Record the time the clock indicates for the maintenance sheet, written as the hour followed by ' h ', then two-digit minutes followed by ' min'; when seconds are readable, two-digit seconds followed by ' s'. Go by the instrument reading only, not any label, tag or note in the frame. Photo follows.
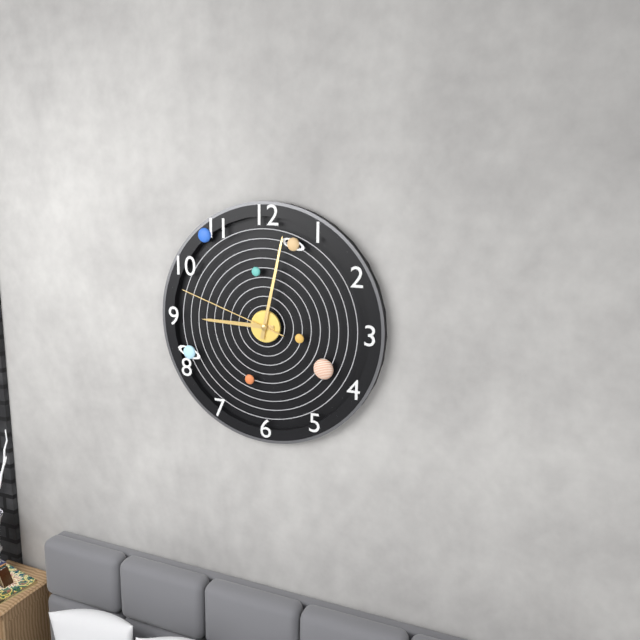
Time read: 9 h 02 min 48 s
